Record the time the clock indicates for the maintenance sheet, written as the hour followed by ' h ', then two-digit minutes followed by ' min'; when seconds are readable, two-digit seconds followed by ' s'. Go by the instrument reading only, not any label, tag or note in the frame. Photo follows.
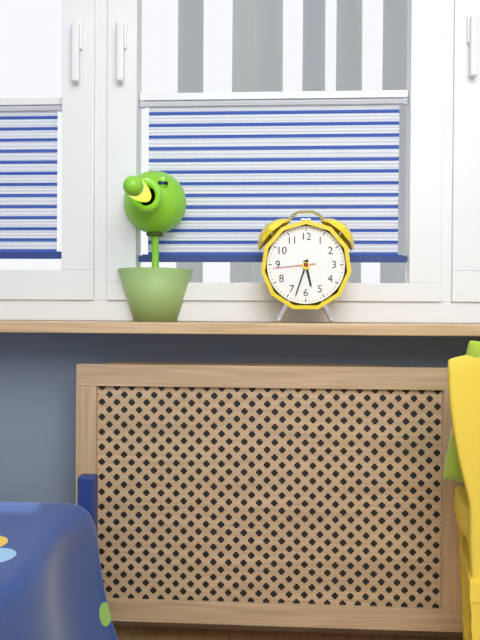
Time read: 5 h 33 min
